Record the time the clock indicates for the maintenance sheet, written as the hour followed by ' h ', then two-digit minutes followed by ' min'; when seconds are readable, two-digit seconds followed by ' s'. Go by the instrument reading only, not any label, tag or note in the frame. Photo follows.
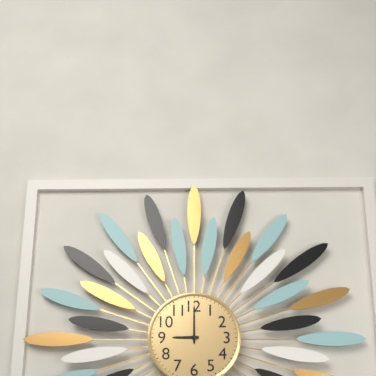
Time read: 9 h 00 min
